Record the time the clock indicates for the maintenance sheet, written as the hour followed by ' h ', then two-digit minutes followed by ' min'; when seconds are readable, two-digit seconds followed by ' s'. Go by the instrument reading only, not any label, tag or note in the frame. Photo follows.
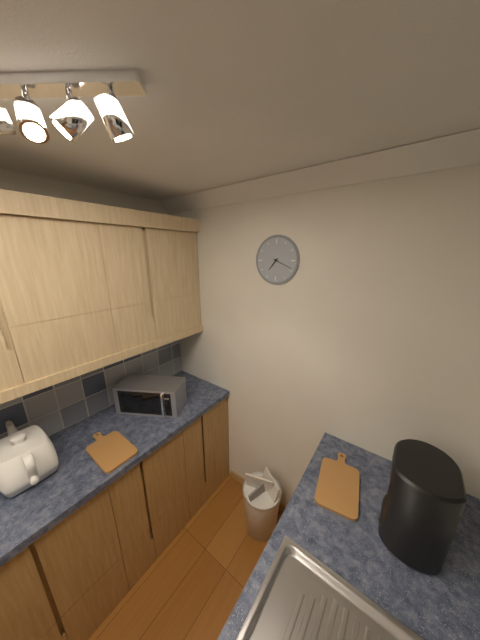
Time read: 7 h 19 min
